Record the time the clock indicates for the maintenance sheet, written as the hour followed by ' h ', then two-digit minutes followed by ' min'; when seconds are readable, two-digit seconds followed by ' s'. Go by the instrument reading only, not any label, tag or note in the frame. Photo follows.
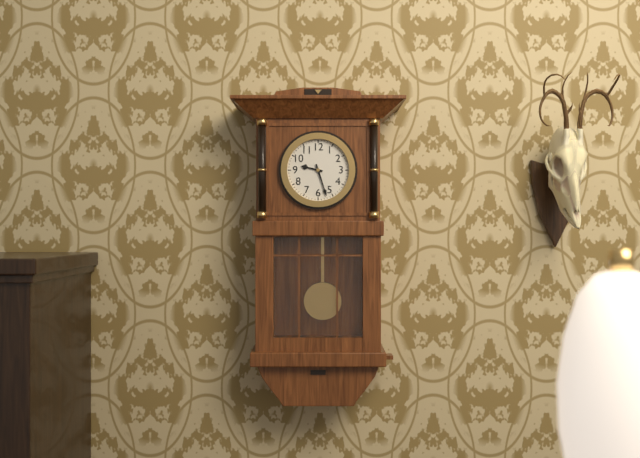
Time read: 9 h 27 min
